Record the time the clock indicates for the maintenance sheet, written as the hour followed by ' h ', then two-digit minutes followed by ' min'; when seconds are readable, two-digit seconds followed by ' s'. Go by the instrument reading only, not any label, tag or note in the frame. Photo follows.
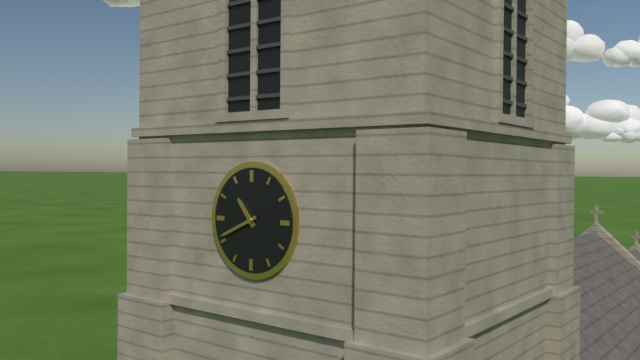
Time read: 10 h 41 min
